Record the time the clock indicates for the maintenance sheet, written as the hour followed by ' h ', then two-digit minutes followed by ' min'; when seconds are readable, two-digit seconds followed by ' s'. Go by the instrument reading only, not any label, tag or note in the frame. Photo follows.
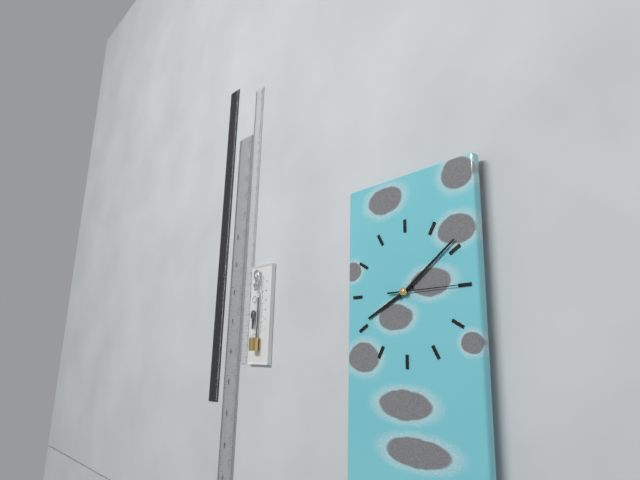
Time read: 8 h 09 min 15 s
